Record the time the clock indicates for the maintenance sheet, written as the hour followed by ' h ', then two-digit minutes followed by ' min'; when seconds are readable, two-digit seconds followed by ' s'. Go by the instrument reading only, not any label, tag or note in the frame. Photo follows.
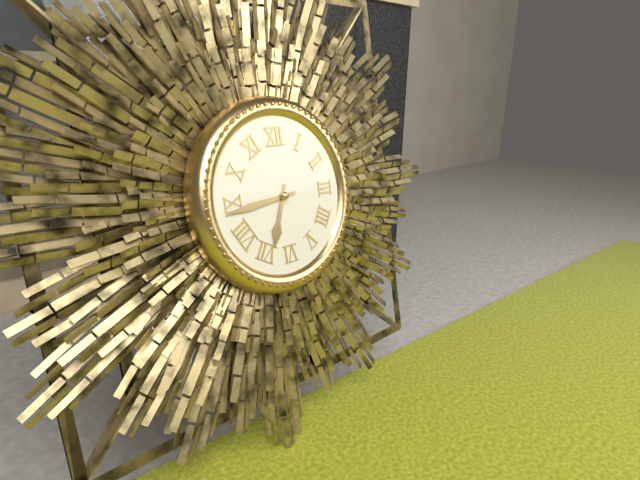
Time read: 6 h 44 min
